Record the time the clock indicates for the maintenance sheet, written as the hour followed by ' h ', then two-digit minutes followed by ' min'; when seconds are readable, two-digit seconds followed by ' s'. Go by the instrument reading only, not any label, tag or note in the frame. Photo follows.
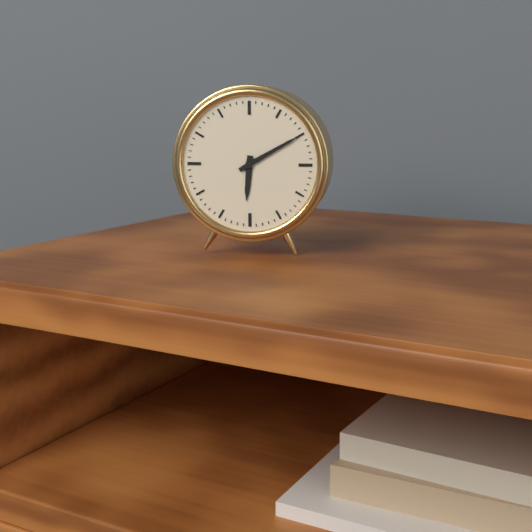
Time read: 6 h 10 min
